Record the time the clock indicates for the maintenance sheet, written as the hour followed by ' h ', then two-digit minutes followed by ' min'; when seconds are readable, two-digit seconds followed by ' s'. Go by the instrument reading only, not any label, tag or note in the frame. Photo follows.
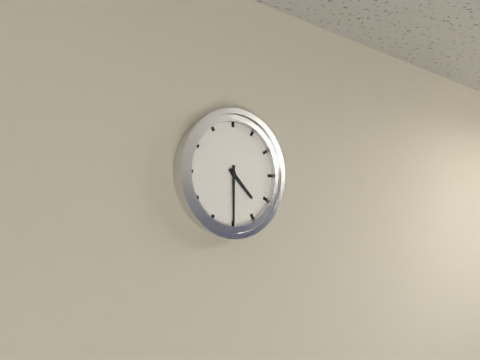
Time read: 4 h 30 min
